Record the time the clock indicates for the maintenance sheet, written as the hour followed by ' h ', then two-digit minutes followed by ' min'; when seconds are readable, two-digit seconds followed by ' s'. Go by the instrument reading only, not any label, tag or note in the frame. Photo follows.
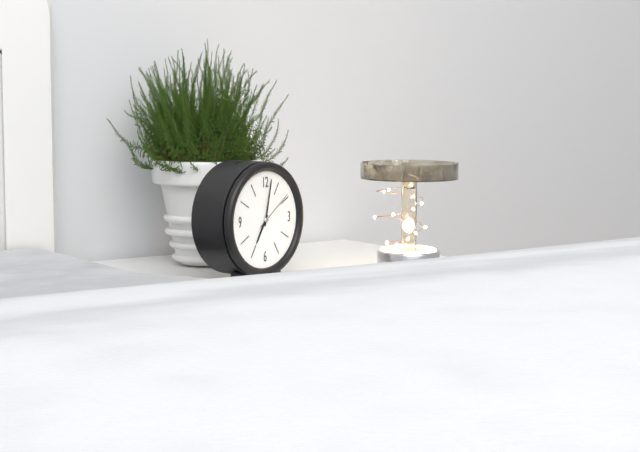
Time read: 7 h 02 min
